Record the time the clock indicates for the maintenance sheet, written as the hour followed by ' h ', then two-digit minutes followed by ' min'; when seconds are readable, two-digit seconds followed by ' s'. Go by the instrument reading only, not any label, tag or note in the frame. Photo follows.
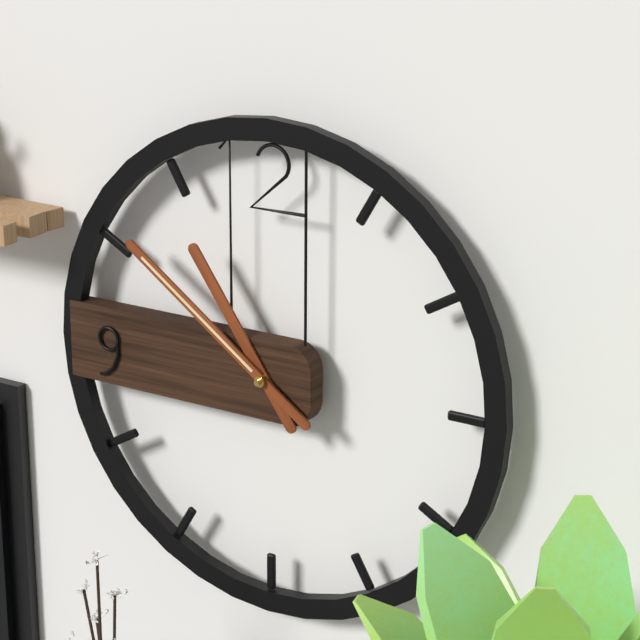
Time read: 10 h 51 min
